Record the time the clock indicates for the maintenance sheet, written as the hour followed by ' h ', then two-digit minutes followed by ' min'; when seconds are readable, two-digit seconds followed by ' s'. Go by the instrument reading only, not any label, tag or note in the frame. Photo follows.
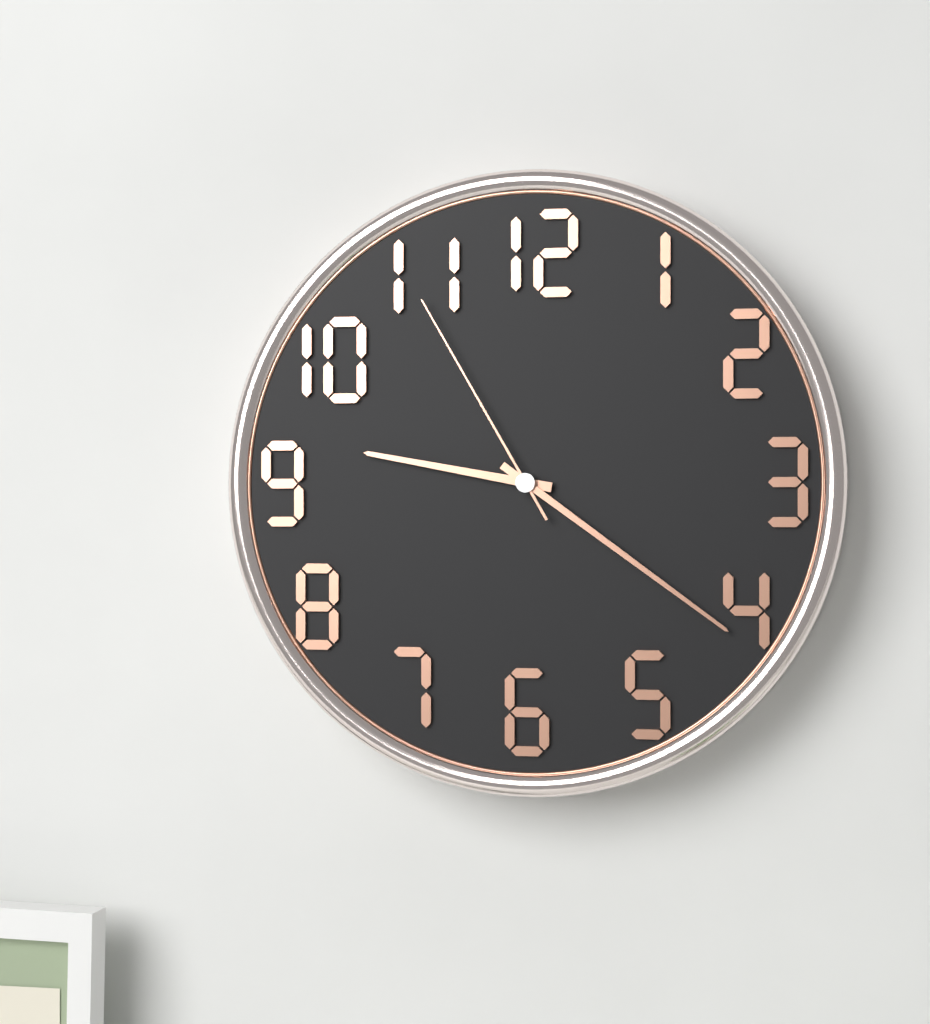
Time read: 9 h 21 min 55 s
